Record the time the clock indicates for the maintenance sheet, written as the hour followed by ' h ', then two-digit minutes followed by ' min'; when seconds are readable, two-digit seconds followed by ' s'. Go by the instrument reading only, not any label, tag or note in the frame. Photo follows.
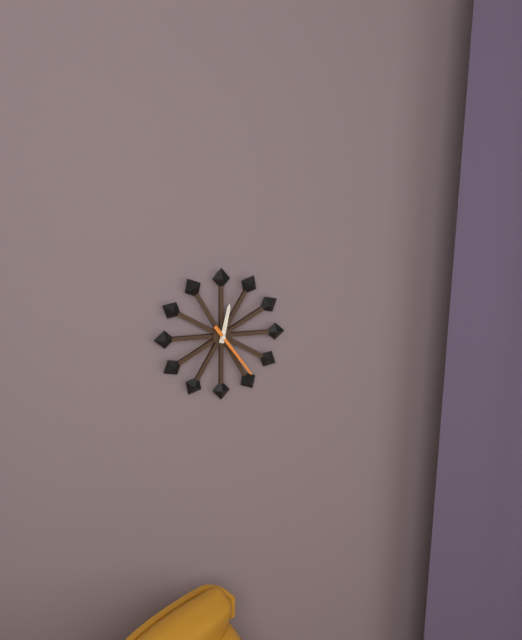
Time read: 12 h 24 min
